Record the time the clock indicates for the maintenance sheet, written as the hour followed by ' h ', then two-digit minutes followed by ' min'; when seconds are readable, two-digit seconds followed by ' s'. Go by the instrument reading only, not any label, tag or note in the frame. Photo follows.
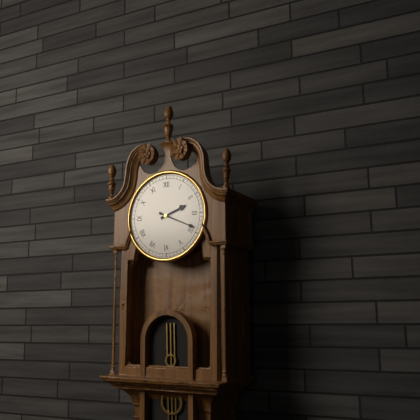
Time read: 2 h 19 min
